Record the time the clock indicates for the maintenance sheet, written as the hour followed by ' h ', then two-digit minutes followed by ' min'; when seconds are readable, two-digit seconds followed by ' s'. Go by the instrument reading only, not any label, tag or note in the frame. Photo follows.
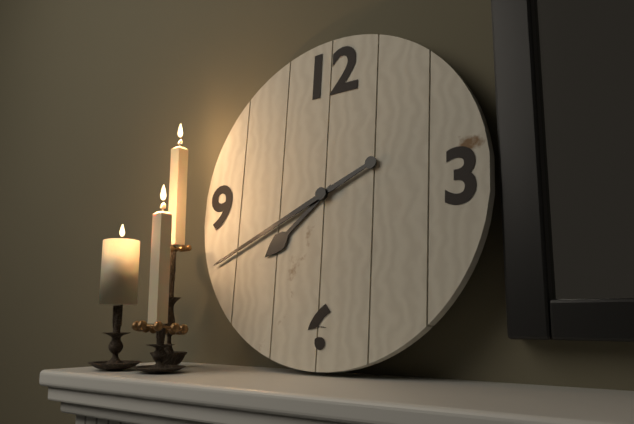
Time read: 7 h 41 min
